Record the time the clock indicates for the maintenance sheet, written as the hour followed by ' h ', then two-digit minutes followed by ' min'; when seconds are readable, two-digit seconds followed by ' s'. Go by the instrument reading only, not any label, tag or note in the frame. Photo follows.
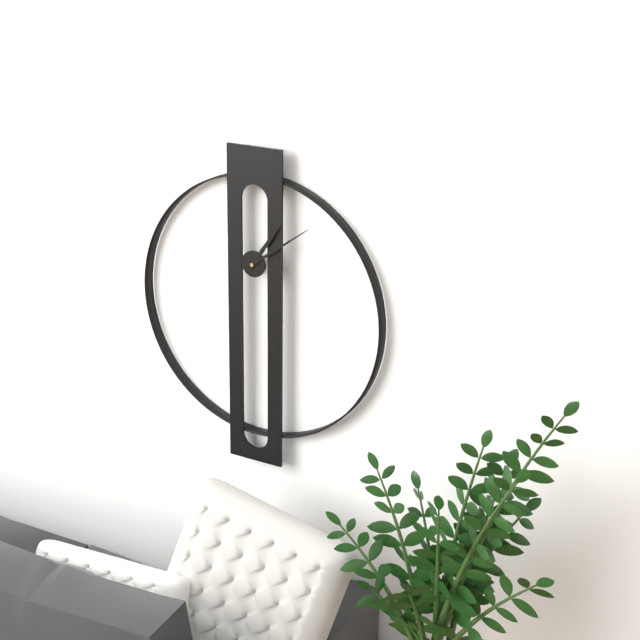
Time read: 1 h 09 min
